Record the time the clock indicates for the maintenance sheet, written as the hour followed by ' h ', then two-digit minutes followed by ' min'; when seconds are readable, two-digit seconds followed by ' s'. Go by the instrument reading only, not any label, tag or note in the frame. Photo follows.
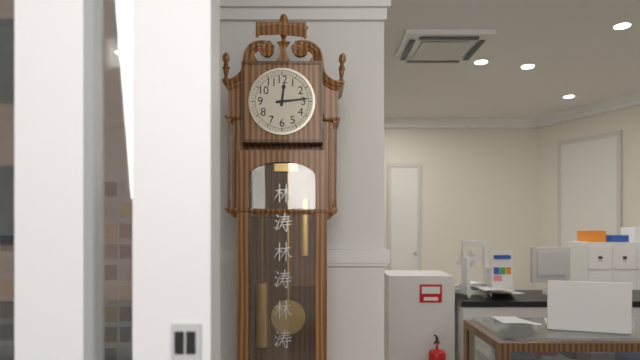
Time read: 12 h 14 min
